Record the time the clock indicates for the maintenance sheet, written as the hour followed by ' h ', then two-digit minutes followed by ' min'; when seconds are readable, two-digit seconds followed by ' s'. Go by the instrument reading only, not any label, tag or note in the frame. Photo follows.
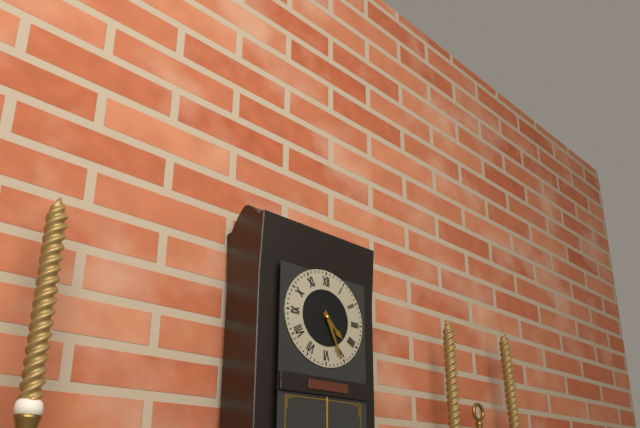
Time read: 4 h 26 min
